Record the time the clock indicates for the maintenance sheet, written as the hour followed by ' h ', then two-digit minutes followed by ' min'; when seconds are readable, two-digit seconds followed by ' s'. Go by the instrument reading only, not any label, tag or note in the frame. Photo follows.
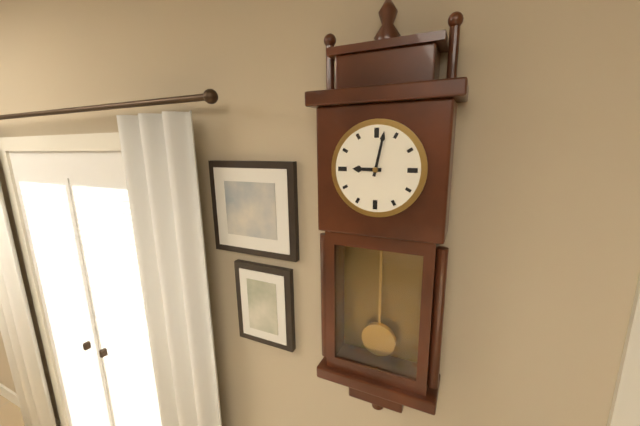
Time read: 9 h 02 min
